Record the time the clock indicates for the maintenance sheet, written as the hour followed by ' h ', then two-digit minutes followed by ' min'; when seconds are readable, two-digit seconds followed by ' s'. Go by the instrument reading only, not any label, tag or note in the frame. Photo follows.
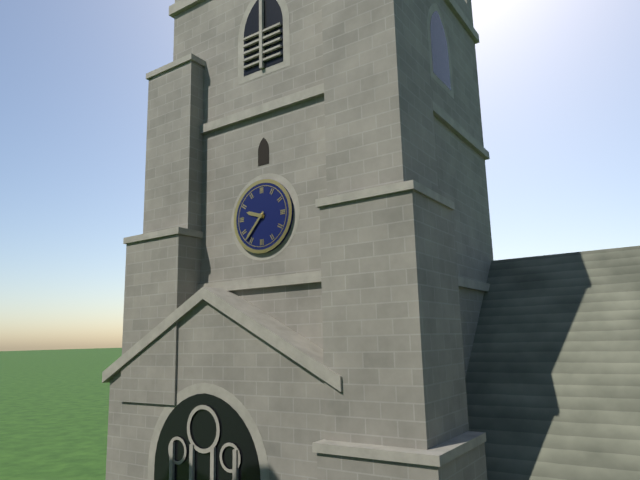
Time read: 9 h 37 min
